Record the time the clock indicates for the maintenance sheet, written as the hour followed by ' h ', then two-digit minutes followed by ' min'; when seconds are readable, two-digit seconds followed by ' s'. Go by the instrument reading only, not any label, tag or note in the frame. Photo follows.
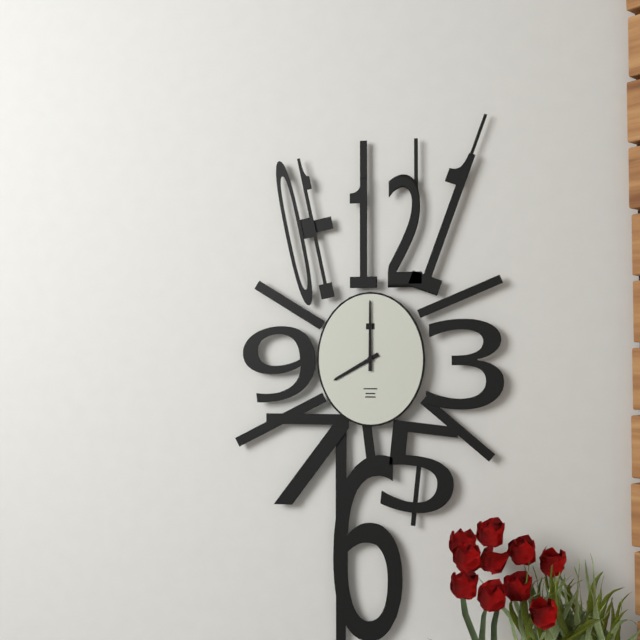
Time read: 8 h 00 min
